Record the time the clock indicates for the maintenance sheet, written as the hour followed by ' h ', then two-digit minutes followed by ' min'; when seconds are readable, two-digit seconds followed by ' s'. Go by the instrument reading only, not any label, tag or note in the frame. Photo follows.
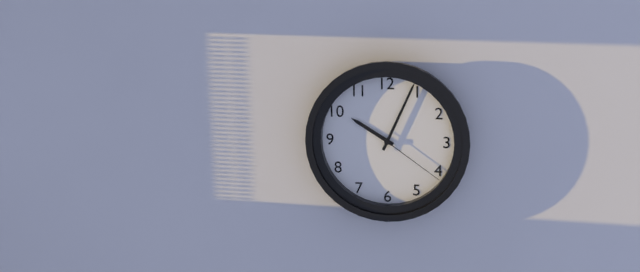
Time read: 10 h 04 min 21 s
